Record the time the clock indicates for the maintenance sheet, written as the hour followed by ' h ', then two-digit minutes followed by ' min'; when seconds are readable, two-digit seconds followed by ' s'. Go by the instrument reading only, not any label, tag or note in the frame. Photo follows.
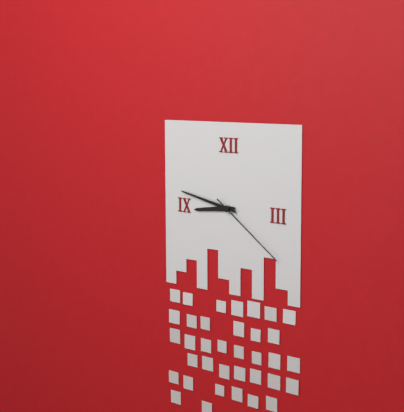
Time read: 8 h 47 min 21 s
